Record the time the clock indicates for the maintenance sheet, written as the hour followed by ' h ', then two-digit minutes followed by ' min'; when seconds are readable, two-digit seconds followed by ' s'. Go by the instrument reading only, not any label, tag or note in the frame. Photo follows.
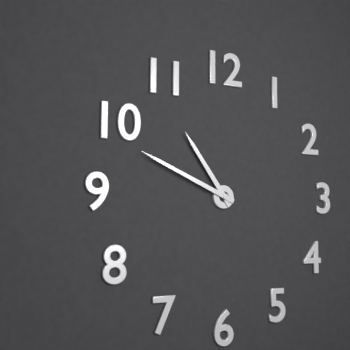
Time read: 10 h 49 min
